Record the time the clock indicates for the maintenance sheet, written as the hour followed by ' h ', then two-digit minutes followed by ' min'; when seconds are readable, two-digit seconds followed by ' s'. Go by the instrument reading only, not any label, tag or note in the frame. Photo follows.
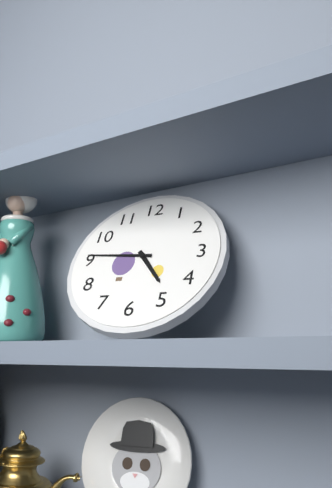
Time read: 4 h 46 min
